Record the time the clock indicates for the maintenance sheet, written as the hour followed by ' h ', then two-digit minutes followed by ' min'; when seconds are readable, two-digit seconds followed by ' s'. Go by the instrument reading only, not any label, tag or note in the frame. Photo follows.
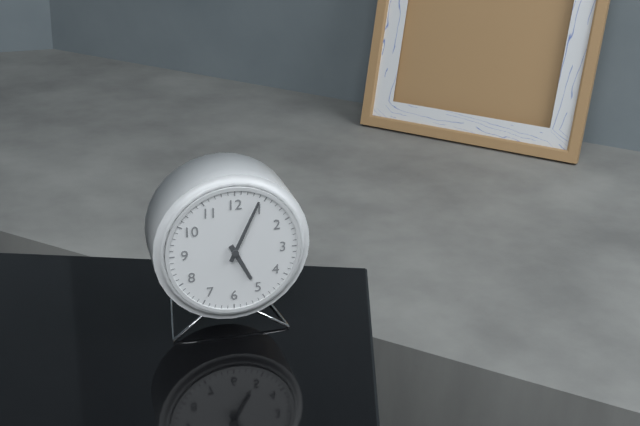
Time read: 5 h 04 min
